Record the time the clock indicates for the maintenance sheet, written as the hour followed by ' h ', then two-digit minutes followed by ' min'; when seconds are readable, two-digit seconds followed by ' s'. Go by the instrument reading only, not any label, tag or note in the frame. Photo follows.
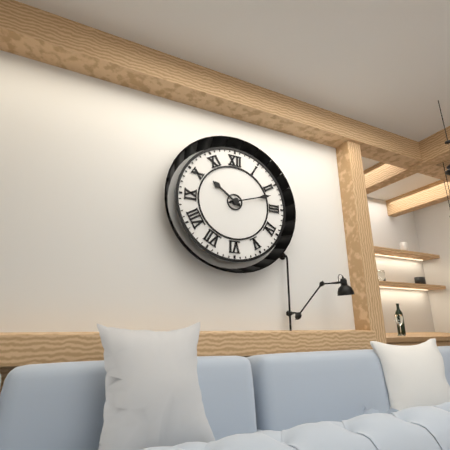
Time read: 10 h 12 min
